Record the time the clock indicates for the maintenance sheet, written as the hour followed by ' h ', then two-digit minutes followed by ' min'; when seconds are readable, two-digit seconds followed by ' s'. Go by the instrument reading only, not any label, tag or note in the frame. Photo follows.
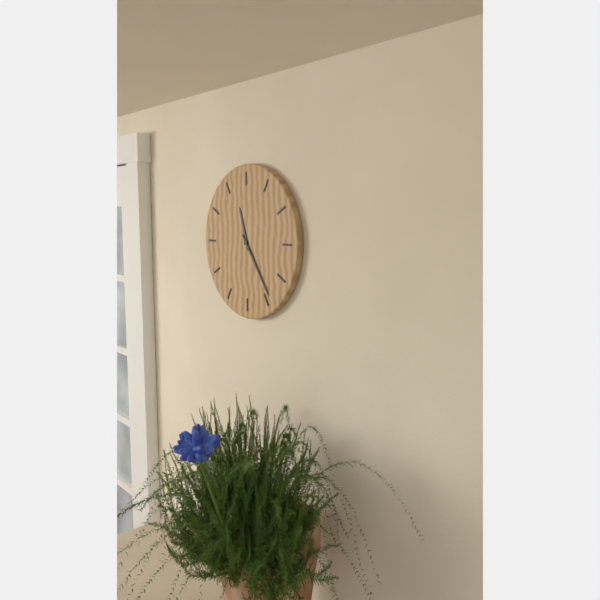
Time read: 11 h 24 min
